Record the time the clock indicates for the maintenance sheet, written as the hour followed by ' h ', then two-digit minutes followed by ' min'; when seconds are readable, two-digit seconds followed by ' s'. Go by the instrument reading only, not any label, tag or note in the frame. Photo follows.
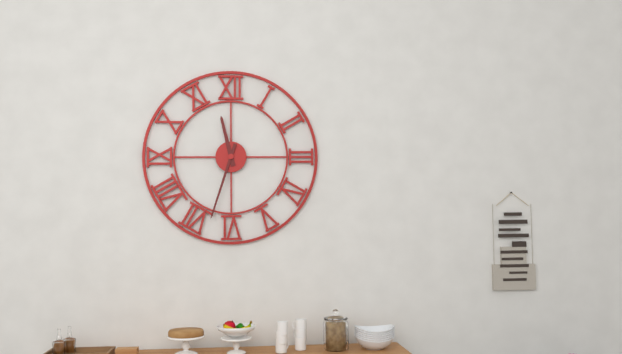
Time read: 11 h 33 min
